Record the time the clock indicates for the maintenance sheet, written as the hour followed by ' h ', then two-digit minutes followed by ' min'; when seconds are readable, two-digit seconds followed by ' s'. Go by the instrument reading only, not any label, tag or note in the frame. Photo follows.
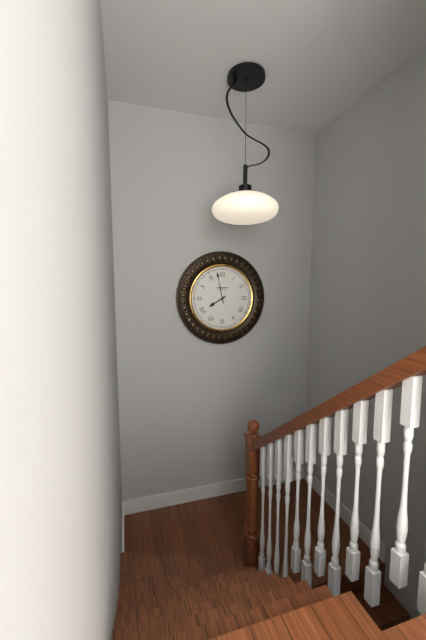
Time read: 7 h 58 min
